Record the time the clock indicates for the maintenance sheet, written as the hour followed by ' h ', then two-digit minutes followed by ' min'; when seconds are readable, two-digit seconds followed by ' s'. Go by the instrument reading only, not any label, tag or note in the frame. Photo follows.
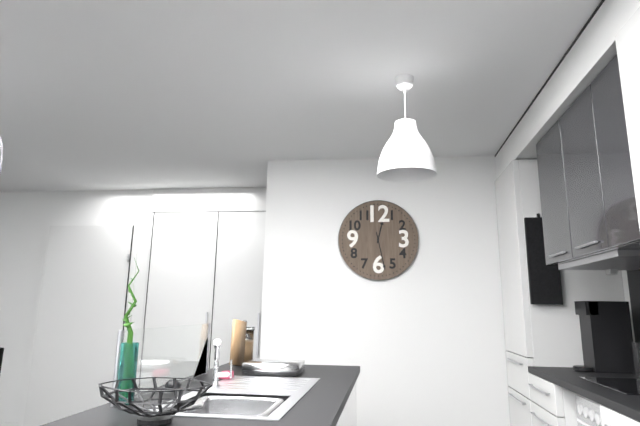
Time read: 12 h 28 min
